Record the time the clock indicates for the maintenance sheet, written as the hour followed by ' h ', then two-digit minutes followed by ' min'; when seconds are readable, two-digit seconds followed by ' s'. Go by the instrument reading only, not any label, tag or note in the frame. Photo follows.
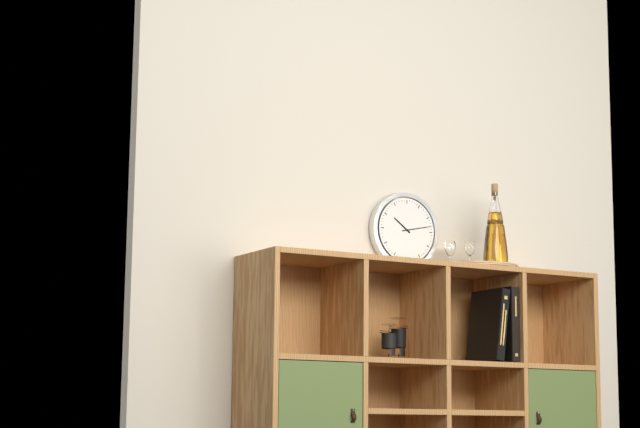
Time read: 10 h 13 min
